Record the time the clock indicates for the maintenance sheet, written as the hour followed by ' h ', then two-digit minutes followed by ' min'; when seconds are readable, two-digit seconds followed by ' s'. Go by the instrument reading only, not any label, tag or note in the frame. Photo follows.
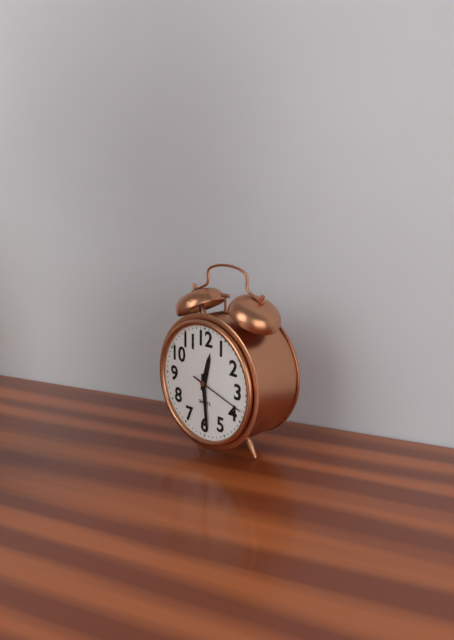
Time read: 12 h 29 min 18 s
